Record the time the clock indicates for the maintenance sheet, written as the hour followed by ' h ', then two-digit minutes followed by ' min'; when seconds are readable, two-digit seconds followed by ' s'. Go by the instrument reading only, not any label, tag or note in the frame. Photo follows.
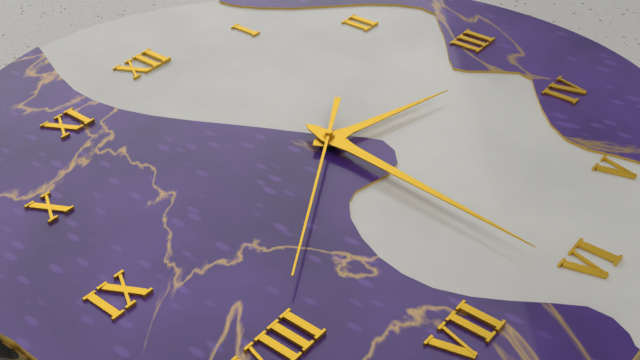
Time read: 3 h 31 min 40 s
